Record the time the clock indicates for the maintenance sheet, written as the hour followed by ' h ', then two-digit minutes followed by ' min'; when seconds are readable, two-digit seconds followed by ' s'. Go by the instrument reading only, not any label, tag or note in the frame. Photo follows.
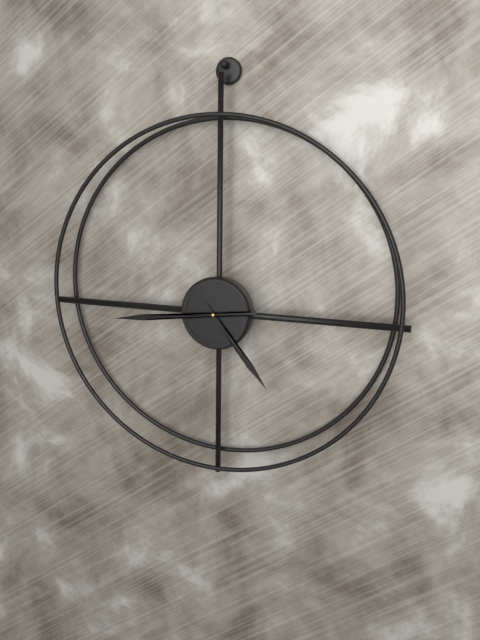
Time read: 4 h 44 min
